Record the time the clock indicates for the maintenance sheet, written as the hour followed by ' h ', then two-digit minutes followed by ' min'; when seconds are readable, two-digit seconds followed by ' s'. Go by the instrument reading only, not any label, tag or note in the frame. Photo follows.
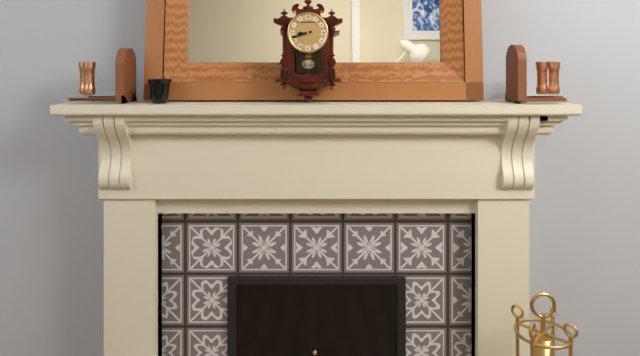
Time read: 8 h 42 min
